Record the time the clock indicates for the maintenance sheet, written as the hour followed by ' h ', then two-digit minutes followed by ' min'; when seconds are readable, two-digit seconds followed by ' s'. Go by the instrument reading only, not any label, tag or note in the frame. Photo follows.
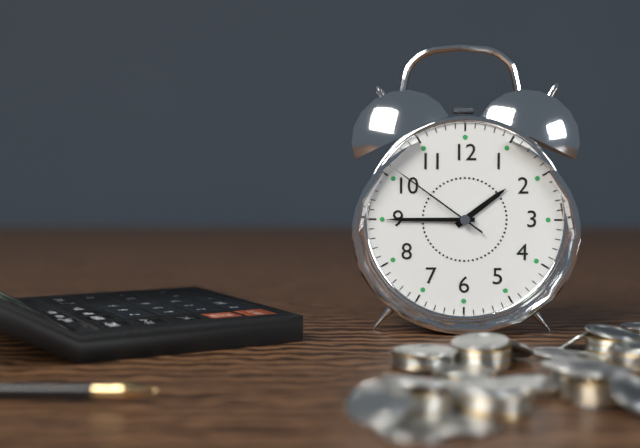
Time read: 1 h 45 min 51 s
